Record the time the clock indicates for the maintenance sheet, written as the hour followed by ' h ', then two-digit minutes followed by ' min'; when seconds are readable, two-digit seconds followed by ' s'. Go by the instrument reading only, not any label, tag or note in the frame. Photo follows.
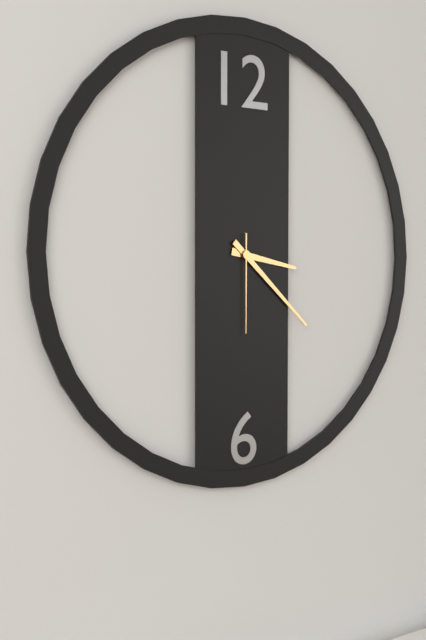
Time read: 3 h 22 min 30 s
